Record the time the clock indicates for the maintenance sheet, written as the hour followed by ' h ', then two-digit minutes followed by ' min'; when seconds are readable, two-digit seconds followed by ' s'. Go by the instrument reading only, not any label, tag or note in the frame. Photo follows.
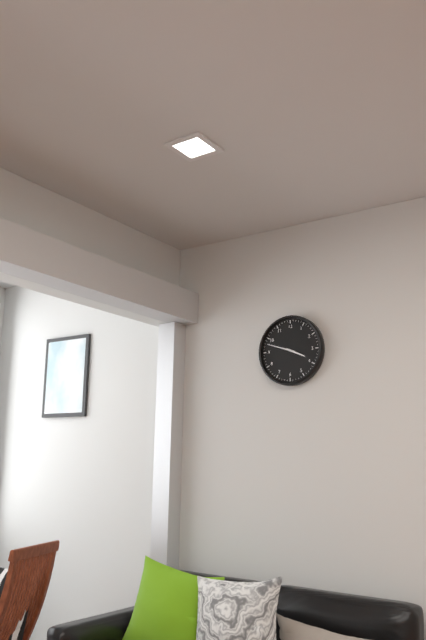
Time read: 3 h 48 min
